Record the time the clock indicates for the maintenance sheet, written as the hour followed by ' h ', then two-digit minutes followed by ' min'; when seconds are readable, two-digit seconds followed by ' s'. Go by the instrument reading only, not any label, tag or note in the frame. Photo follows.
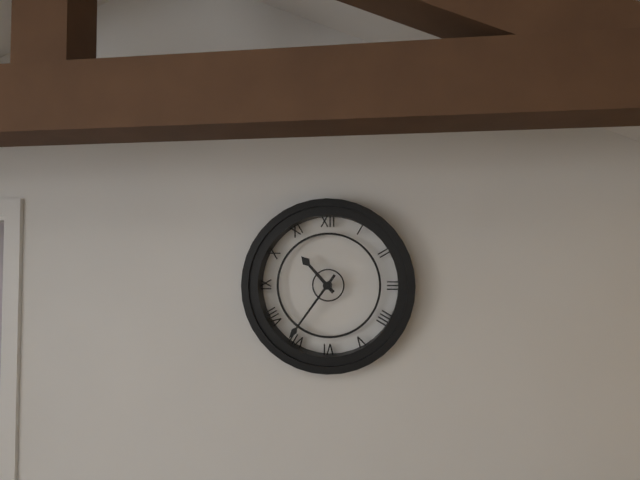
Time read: 10 h 36 min
